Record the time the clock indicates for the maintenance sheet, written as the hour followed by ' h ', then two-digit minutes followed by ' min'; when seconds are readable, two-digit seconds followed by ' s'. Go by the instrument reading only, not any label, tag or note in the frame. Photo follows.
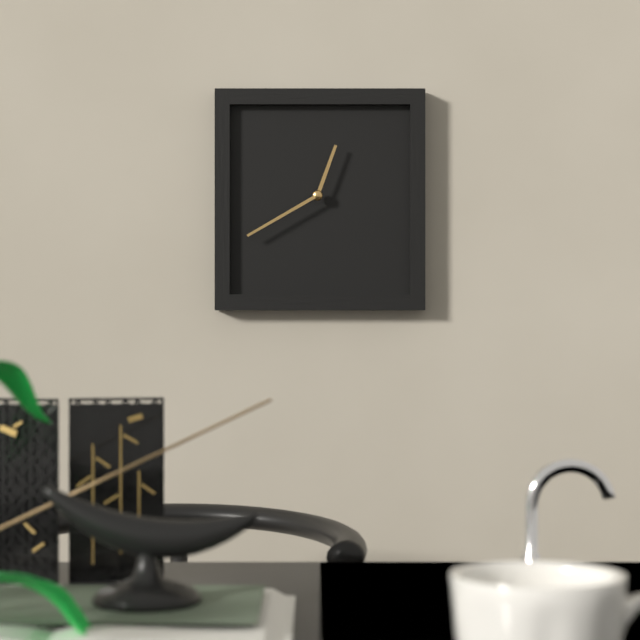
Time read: 12 h 40 min
